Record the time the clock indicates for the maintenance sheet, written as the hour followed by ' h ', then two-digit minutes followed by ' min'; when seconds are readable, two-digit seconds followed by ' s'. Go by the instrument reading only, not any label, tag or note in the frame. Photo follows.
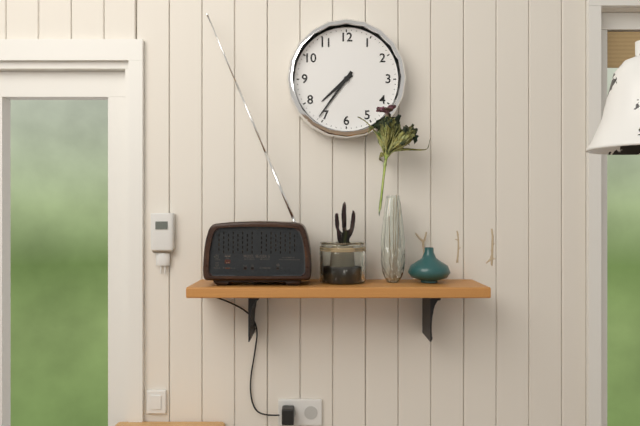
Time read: 7 h 36 min
